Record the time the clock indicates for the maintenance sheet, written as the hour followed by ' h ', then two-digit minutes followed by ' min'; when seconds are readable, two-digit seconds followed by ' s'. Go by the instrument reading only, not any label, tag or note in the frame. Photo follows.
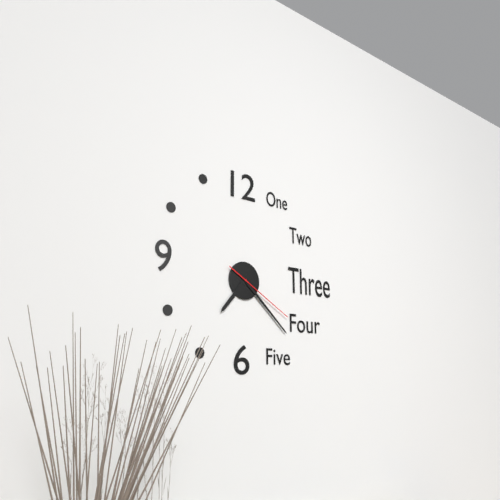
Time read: 7 h 22 min 20 s
